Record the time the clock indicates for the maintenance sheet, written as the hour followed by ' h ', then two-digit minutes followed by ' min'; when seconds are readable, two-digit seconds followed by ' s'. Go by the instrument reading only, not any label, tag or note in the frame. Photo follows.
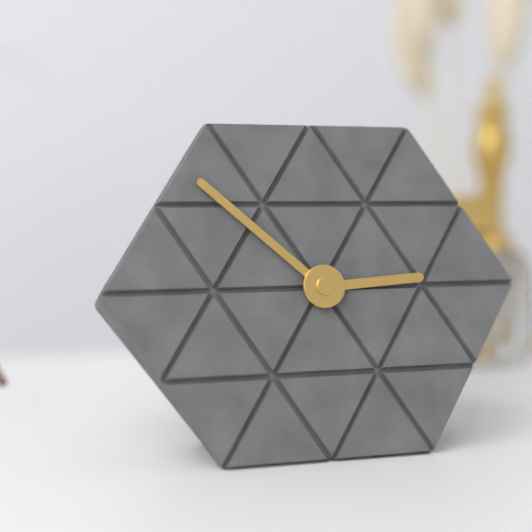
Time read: 2 h 52 min
